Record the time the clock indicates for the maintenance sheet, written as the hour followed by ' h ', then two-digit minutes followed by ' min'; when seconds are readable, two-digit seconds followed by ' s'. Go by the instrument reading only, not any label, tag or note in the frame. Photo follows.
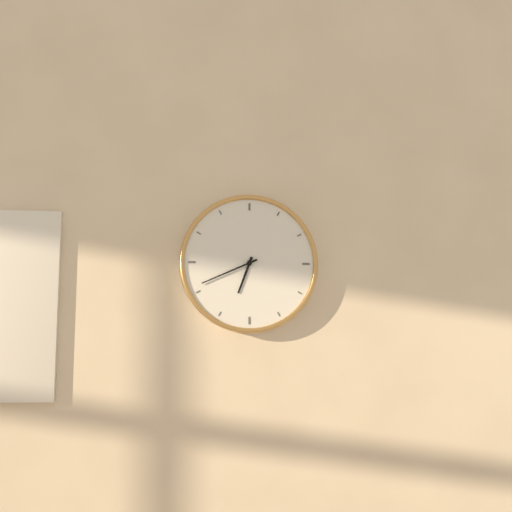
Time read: 6 h 41 min
